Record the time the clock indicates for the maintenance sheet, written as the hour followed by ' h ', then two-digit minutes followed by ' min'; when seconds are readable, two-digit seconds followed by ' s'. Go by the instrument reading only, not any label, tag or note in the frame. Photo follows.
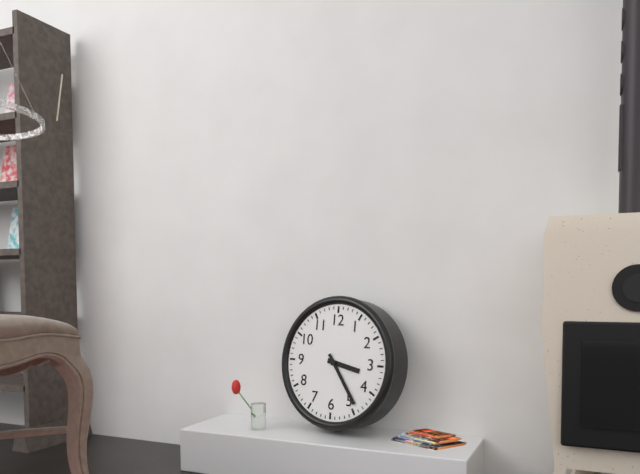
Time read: 3 h 24 min
